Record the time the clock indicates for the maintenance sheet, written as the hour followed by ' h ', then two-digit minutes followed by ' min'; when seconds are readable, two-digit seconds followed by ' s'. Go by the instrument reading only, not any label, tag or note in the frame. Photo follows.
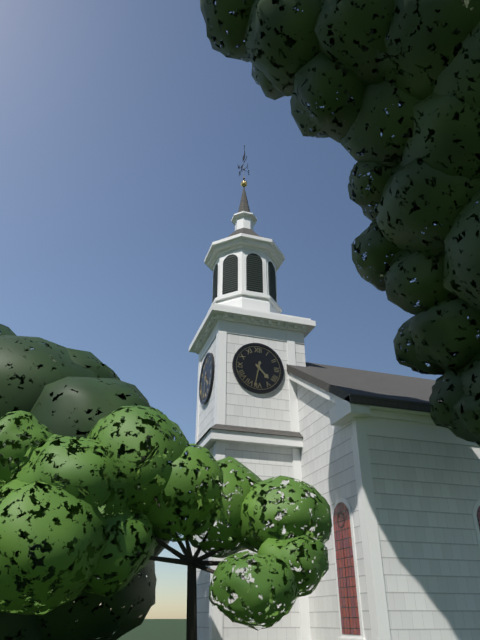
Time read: 4 h 32 min
